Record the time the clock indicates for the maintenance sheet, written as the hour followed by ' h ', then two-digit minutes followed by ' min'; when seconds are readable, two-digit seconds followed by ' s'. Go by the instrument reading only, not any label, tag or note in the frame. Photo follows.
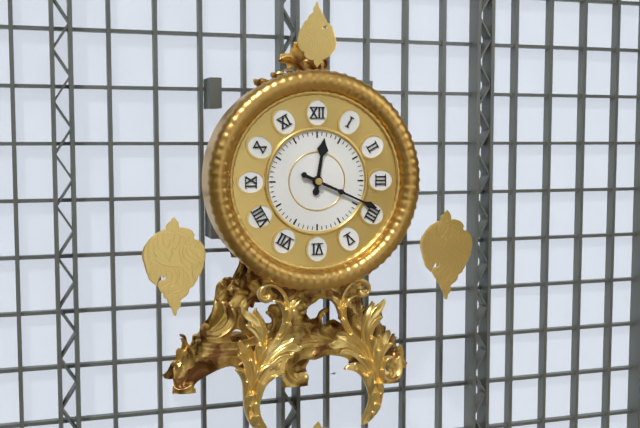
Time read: 12 h 19 min
